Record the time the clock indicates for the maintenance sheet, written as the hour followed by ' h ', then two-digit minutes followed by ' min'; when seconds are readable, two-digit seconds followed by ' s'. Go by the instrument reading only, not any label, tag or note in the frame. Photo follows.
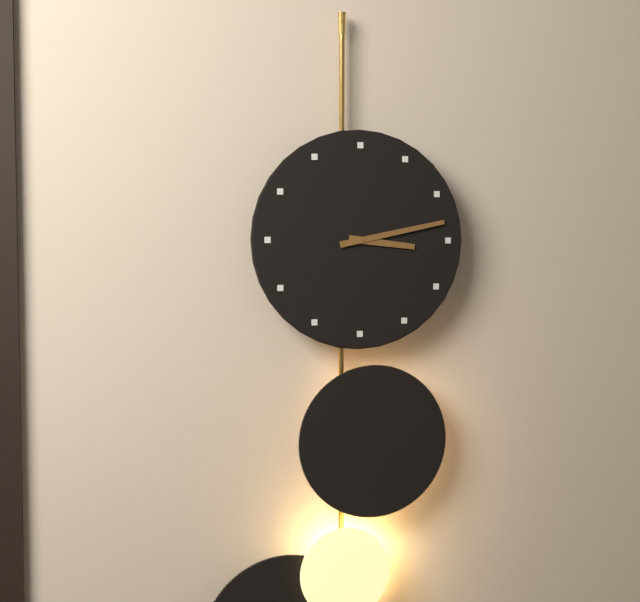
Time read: 3 h 13 min
